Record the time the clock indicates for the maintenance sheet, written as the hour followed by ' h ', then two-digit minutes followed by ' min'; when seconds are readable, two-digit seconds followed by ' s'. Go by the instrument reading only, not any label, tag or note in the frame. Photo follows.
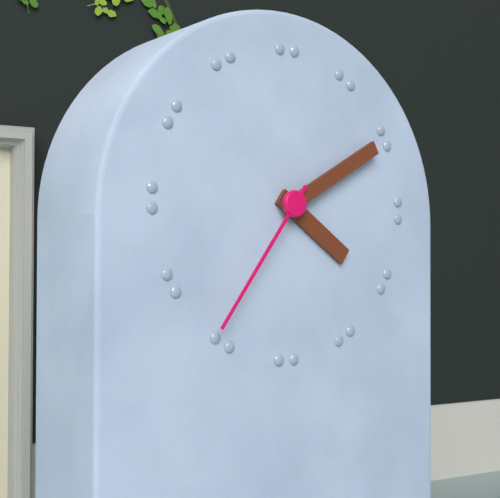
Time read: 4 h 10 min 36 s
